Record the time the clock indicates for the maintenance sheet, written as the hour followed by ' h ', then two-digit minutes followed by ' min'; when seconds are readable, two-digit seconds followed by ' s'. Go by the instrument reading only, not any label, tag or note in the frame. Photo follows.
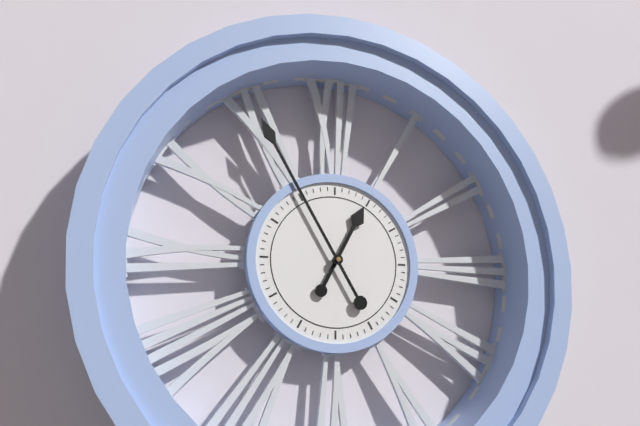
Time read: 12 h 55 min
